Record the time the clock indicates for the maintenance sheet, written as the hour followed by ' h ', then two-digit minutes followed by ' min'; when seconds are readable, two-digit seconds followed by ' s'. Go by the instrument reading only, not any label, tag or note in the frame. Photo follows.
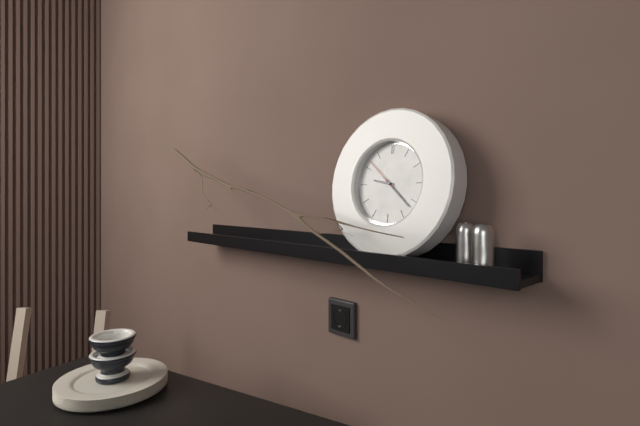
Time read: 9 h 22 min
